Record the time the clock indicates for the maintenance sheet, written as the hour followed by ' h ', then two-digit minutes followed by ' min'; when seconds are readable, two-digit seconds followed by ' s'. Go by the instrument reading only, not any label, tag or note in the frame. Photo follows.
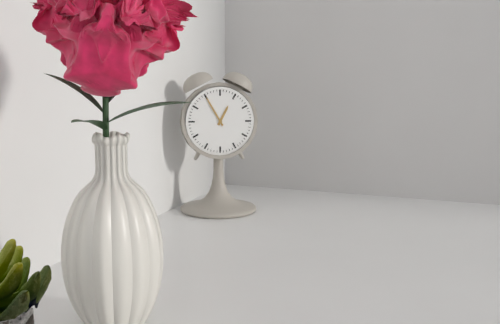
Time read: 12 h 55 min
